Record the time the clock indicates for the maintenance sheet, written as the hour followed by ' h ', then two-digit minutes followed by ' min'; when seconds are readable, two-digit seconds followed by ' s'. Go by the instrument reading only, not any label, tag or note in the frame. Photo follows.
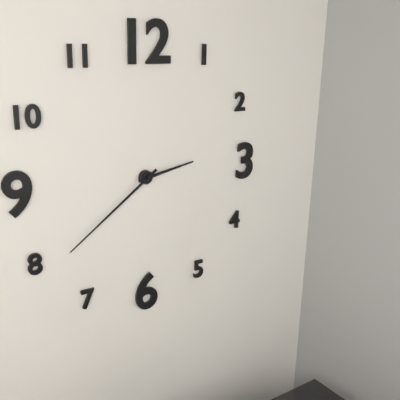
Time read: 2 h 39 min
